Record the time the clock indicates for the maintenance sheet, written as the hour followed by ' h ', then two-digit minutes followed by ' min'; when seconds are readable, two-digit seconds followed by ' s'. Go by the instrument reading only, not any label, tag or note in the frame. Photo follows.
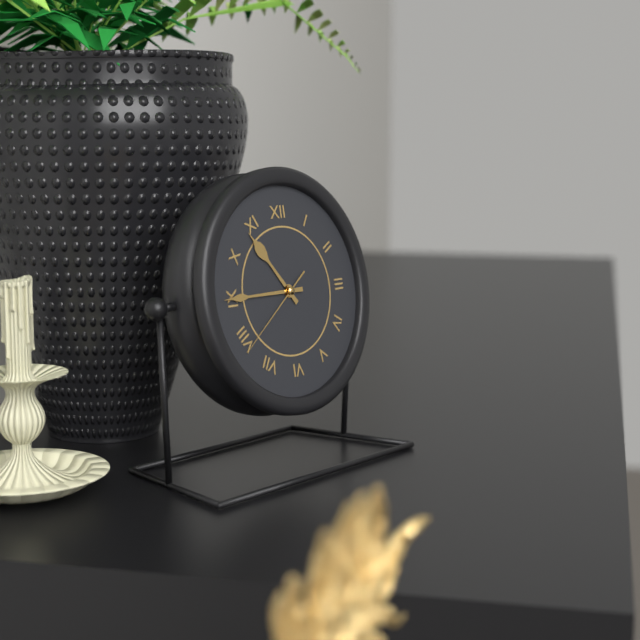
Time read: 10 h 45 min 39 s
